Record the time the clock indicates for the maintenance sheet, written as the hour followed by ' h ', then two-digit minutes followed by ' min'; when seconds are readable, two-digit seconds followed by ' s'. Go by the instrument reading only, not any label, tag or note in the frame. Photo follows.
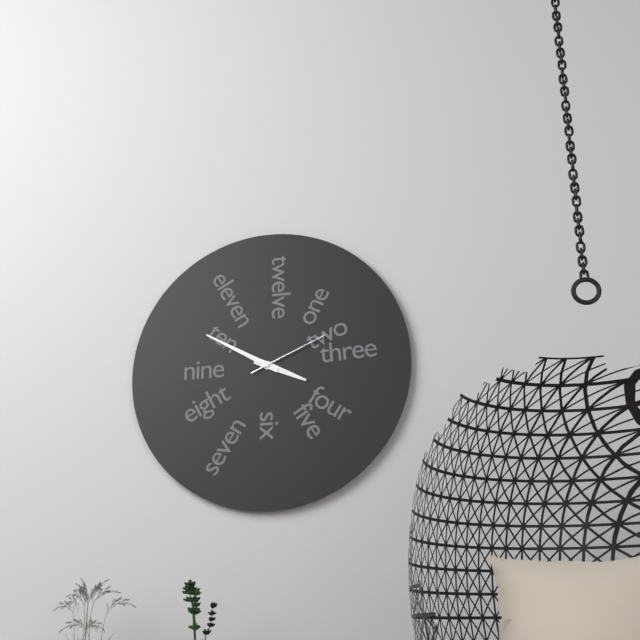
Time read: 3 h 50 min 11 s
